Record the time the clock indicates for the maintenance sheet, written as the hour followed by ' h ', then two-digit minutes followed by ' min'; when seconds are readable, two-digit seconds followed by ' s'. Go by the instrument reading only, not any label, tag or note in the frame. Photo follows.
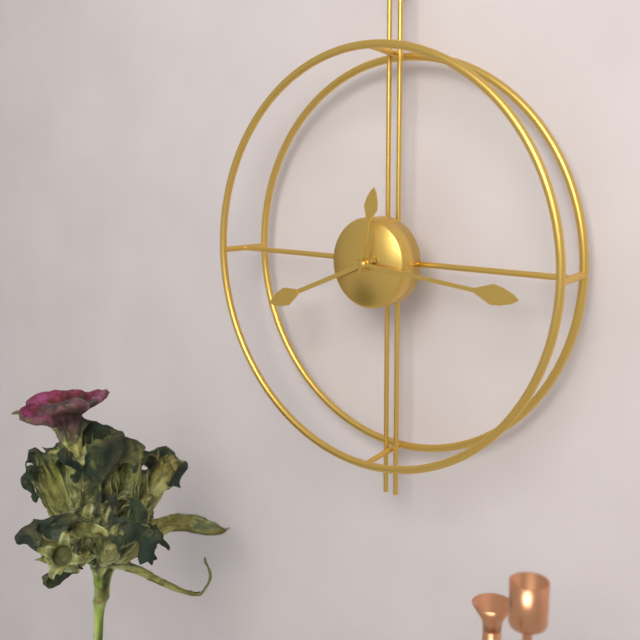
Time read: 8 h 16 min 02 s
